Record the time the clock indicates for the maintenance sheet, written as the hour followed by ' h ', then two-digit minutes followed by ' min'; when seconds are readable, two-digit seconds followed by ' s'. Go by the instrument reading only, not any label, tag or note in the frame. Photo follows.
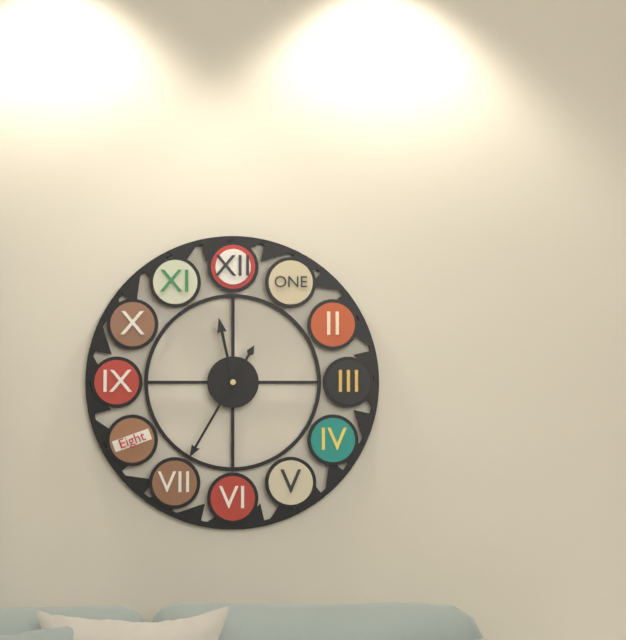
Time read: 11 h 35 min
